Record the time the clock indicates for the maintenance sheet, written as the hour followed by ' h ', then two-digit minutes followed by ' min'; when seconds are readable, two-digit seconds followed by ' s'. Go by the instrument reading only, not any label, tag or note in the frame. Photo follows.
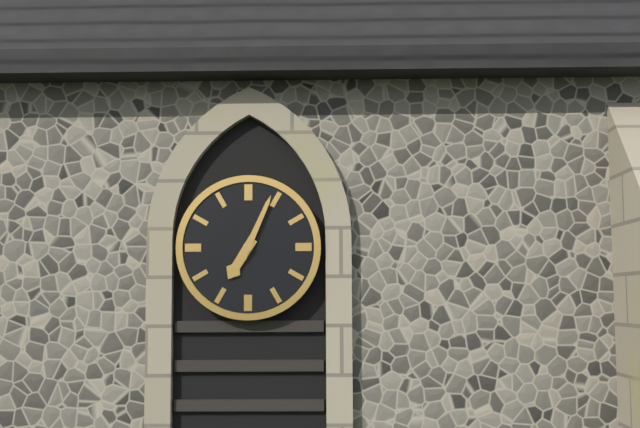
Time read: 7 h 04 min
